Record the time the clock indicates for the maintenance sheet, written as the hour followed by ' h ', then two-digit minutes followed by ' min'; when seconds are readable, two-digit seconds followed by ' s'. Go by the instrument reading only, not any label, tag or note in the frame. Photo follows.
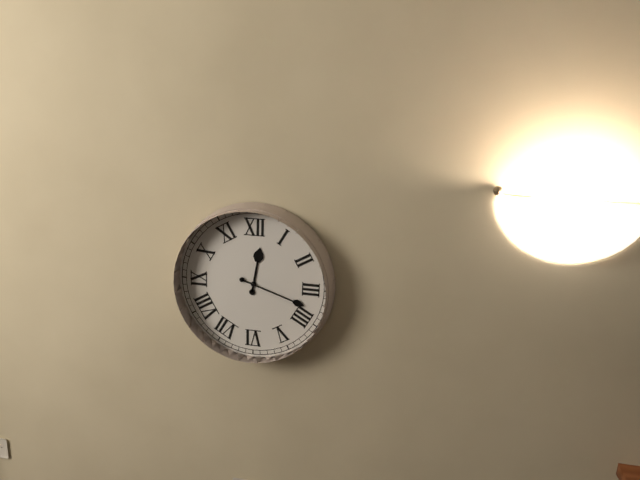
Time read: 12 h 18 min
